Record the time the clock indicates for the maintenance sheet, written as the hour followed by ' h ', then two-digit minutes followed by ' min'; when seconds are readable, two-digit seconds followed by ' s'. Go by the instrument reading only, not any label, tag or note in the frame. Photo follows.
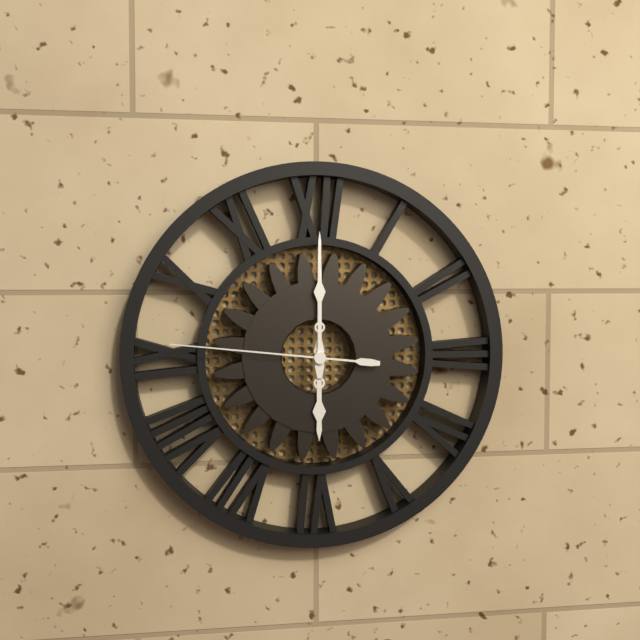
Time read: 6 h 00 min 46 s
